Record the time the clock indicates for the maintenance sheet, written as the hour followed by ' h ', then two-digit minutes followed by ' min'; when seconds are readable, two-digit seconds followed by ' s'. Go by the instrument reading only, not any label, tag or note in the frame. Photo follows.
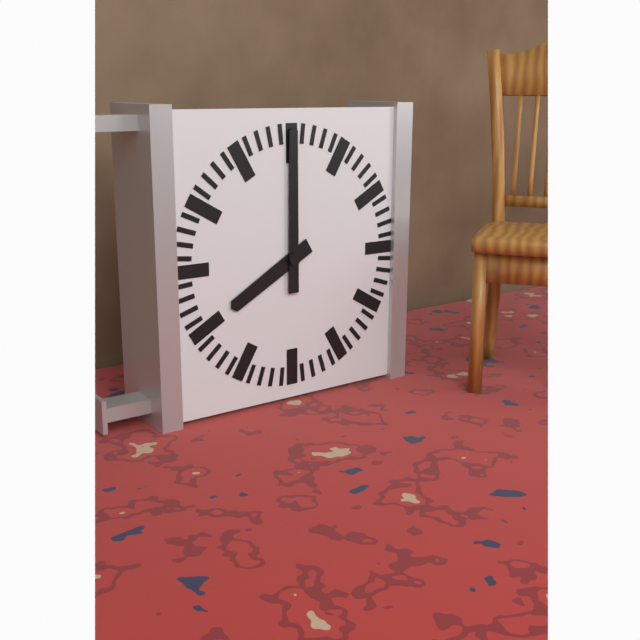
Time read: 8 h 00 min
